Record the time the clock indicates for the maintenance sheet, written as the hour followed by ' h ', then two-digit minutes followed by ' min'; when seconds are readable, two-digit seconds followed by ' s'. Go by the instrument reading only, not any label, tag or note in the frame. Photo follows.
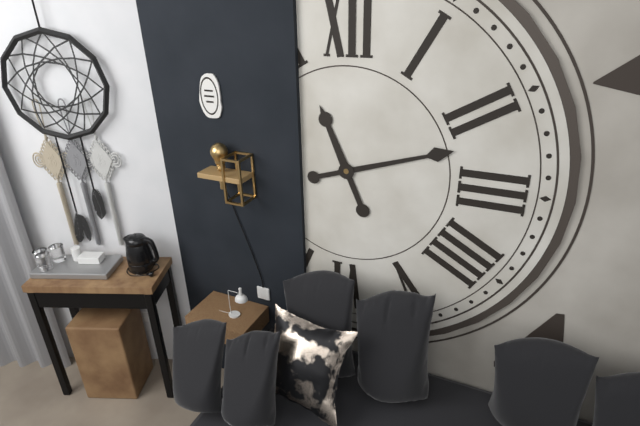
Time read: 11 h 12 min
